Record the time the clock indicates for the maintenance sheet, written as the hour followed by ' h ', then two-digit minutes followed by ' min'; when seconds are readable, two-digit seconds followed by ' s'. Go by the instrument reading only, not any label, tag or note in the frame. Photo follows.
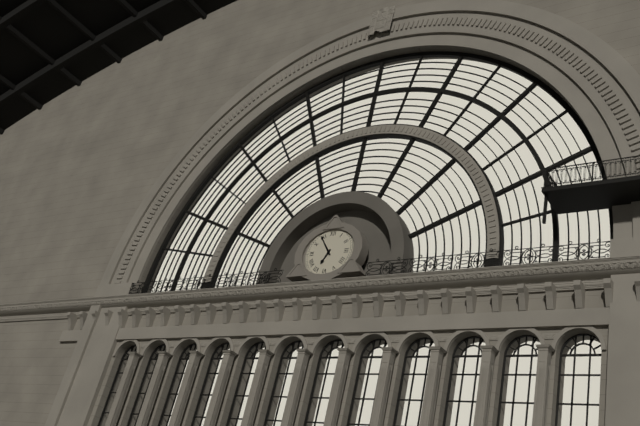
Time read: 6 h 54 min
